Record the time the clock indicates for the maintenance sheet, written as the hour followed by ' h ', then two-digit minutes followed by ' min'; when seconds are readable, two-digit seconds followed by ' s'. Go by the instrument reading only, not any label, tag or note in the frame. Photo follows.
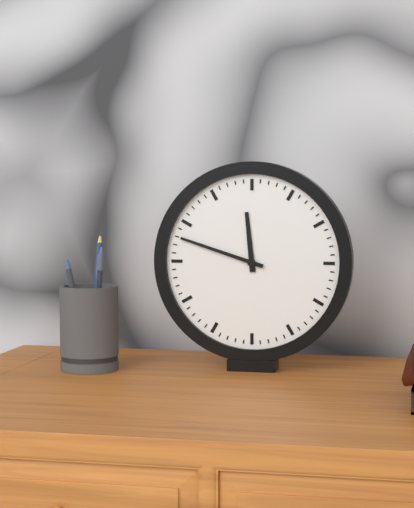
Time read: 11 h 48 min
